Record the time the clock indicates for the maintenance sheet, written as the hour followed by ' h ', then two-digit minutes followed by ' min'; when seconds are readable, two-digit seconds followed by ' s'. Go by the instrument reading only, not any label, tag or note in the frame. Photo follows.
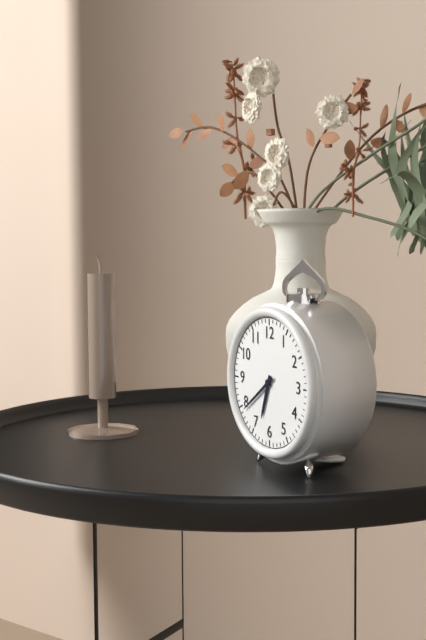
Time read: 6 h 39 min
